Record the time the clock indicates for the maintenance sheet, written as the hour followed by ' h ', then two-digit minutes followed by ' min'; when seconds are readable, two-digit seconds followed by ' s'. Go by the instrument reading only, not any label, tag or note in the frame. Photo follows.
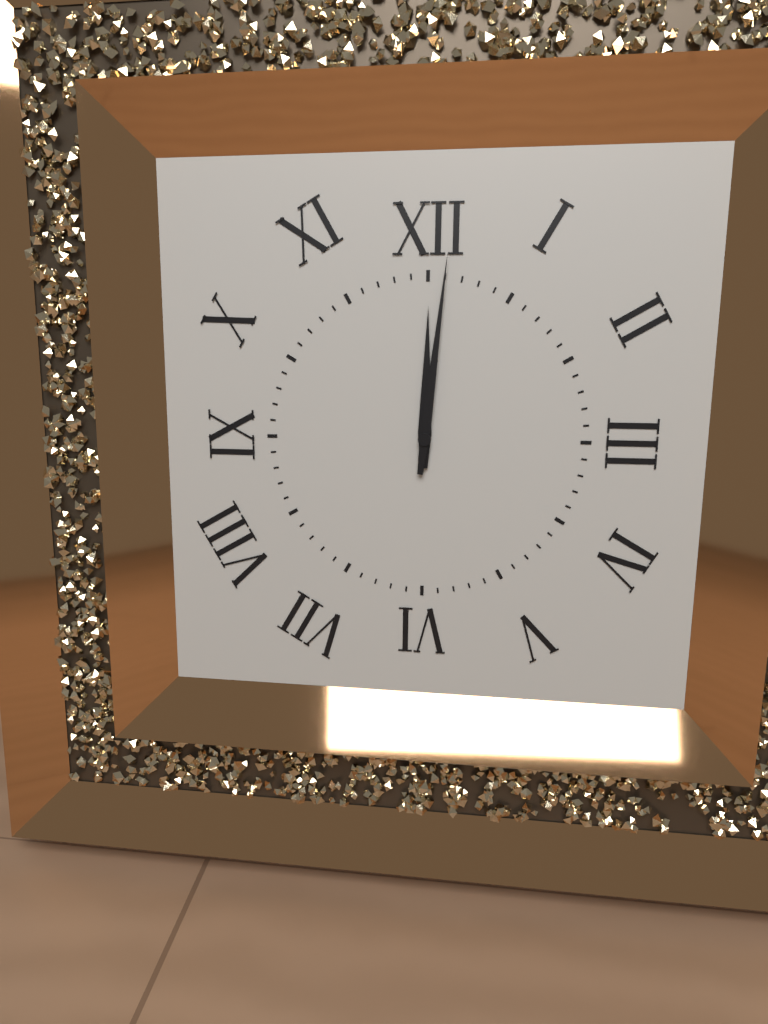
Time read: 12 h 01 min
